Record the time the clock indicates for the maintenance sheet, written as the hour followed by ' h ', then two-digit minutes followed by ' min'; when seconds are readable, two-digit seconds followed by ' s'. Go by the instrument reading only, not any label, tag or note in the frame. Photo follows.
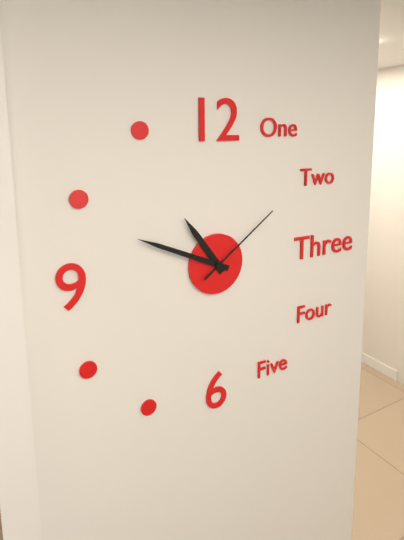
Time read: 10 h 49 min 09 s
